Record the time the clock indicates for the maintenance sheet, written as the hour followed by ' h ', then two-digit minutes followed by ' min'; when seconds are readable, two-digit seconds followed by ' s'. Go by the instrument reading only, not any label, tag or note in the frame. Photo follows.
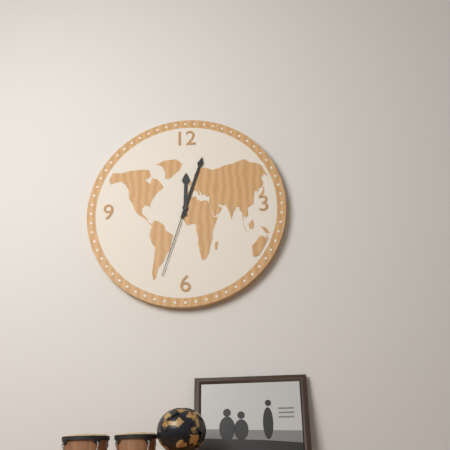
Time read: 12 h 03 min 33 s
